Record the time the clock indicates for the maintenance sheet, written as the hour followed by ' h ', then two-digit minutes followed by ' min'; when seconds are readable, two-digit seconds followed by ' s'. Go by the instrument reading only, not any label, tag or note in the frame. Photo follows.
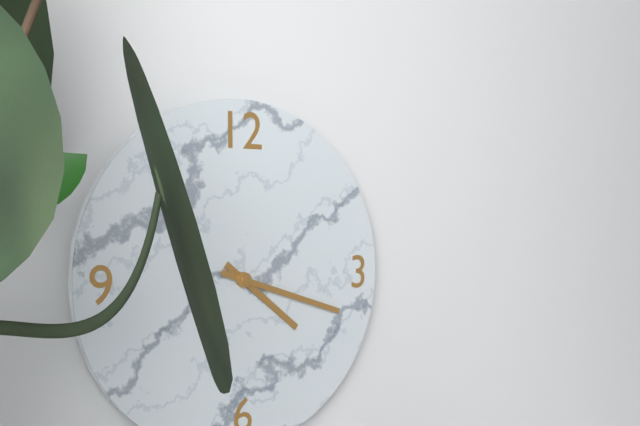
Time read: 4 h 18 min
